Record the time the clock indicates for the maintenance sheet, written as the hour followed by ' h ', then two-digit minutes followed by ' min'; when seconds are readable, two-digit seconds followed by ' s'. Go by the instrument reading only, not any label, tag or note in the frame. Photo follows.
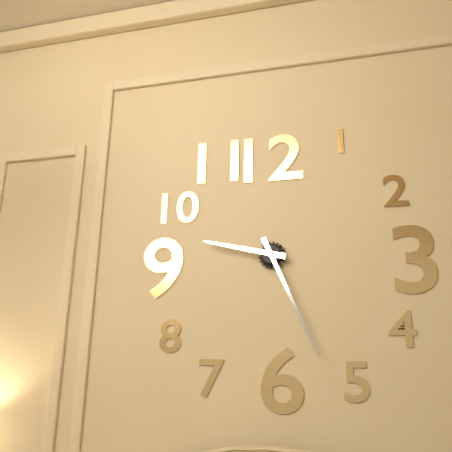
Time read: 9 h 26 min
